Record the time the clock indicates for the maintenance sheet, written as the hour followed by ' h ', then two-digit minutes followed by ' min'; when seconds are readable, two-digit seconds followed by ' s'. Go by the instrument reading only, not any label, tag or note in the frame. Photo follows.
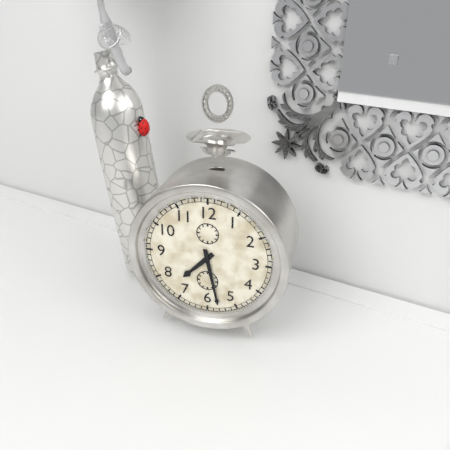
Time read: 7 h 28 min
